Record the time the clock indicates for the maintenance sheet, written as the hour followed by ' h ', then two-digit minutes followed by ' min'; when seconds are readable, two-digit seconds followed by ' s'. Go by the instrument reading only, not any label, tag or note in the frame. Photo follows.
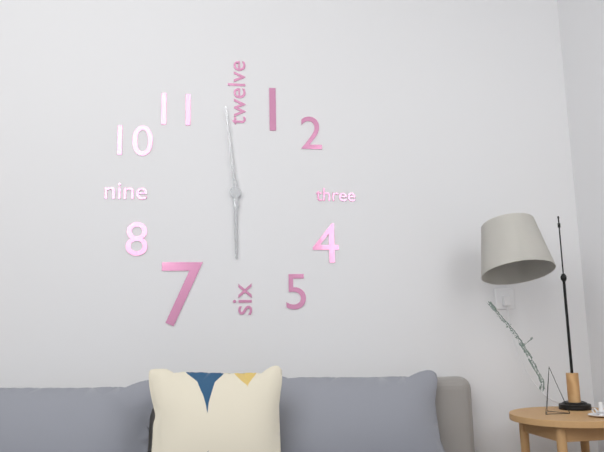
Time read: 5 h 59 min
